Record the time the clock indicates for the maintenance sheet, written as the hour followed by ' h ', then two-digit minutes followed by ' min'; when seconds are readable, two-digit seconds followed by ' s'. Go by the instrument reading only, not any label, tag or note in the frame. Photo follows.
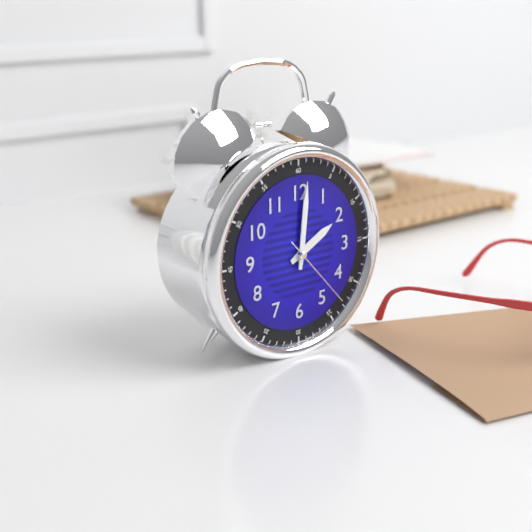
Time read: 2 h 01 min 23 s
